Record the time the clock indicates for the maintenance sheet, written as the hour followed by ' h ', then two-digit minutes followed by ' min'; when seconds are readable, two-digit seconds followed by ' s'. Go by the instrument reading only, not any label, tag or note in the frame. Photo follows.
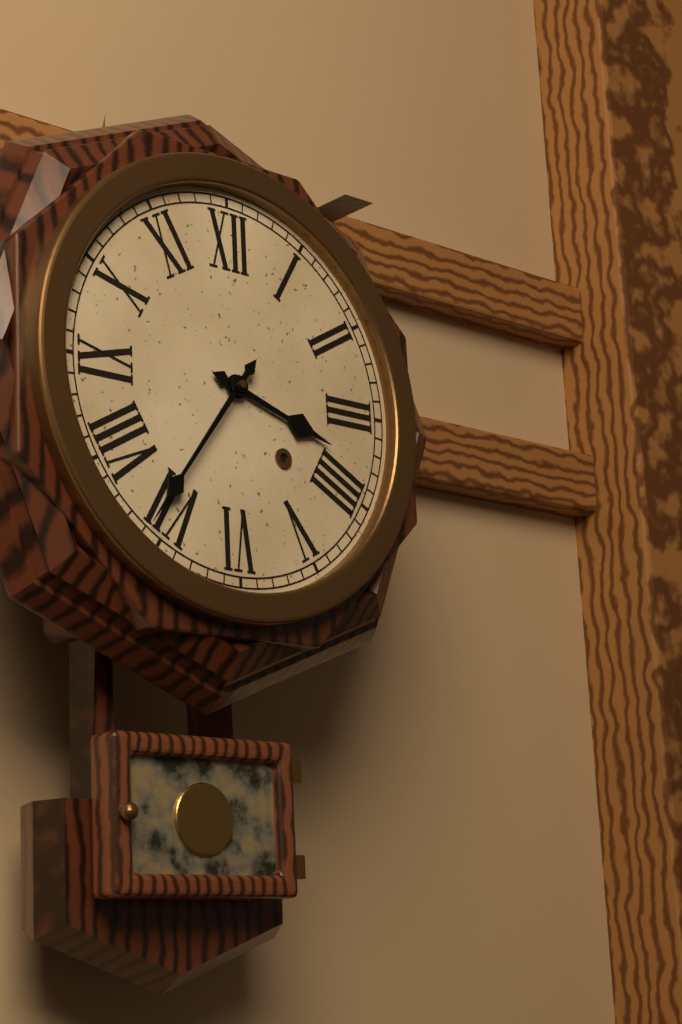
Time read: 3 h 36 min
